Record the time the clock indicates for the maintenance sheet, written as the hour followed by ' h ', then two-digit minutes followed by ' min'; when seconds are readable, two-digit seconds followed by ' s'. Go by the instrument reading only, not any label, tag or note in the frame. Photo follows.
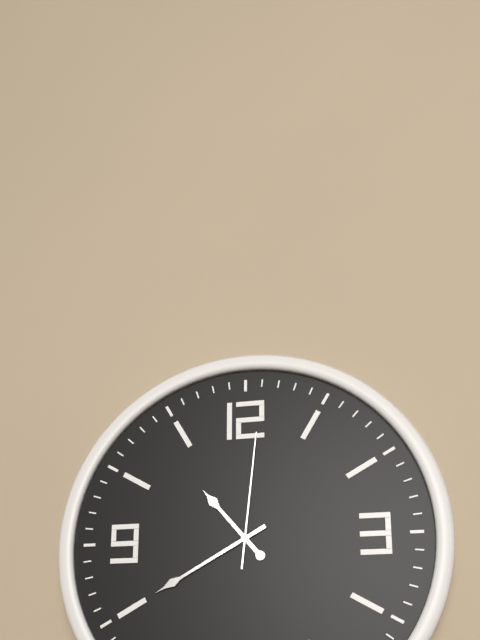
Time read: 10 h 40 min 01 s
